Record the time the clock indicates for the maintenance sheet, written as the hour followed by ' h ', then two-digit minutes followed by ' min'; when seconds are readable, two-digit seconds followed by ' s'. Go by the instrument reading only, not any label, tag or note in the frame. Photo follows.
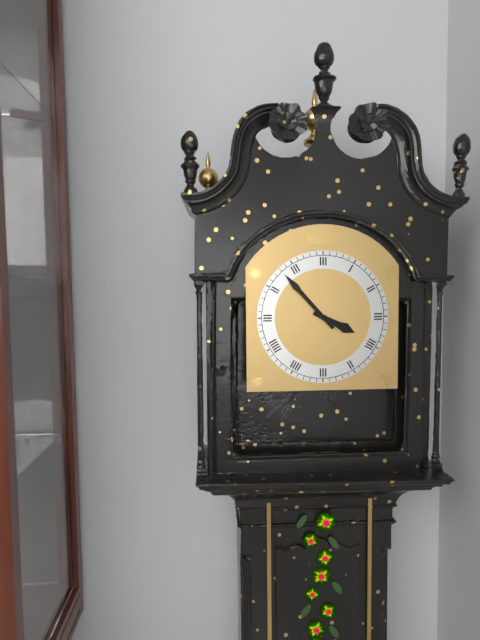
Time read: 3 h 53 min
